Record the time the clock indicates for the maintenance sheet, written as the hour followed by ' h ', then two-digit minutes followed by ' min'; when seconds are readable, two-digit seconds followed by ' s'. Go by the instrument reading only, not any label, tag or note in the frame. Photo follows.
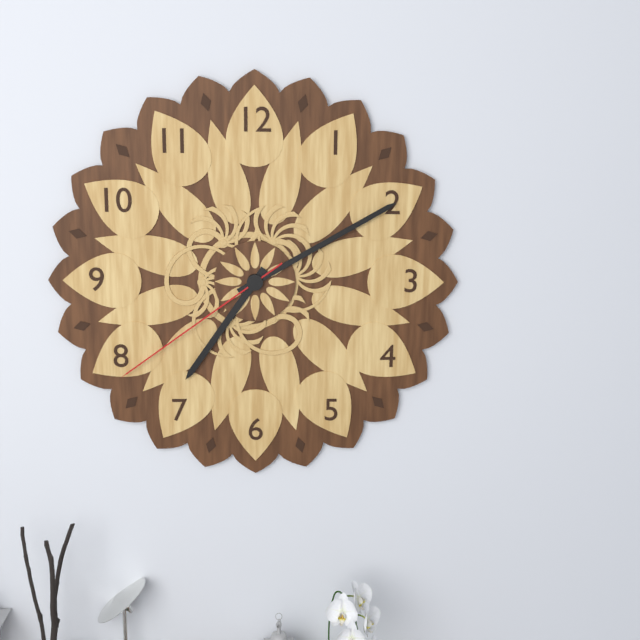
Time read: 7 h 10 min 39 s
